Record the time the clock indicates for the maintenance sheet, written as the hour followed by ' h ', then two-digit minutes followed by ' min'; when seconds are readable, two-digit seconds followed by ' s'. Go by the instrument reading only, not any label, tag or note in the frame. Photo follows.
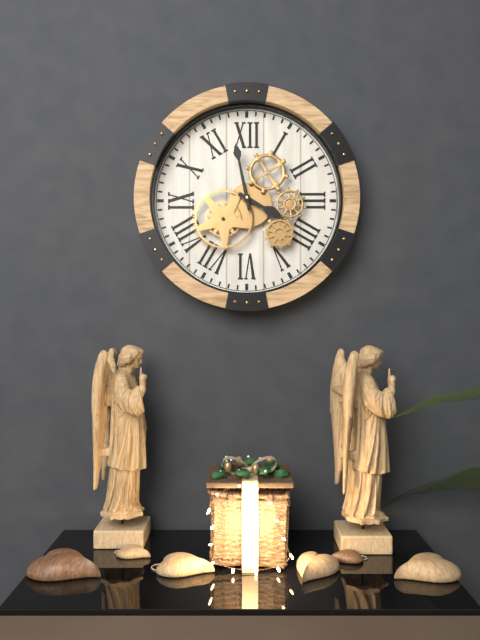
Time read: 3 h 58 min
